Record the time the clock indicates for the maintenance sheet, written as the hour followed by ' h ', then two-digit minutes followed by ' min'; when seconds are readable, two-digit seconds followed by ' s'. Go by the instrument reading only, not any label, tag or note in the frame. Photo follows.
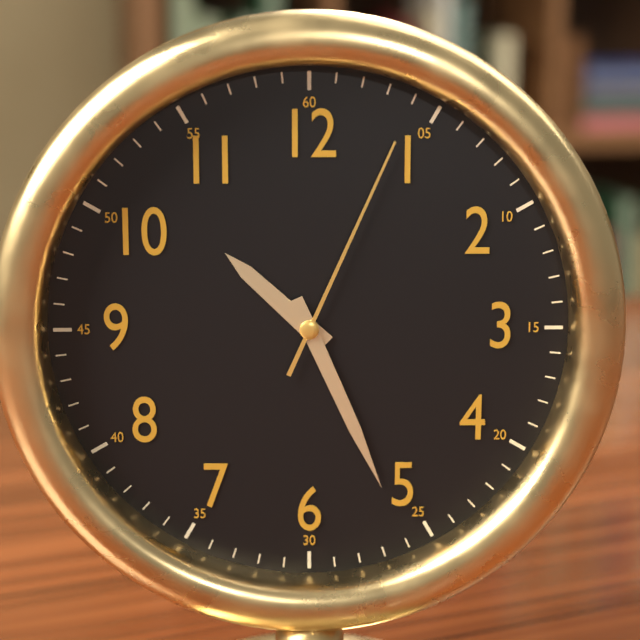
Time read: 10 h 26 min 04 s
